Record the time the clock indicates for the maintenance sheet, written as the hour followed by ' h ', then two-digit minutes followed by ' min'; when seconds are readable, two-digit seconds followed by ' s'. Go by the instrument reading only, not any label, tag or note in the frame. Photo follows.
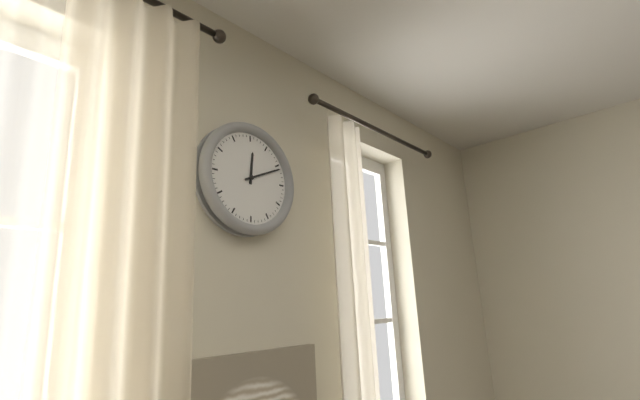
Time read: 12 h 11 min
